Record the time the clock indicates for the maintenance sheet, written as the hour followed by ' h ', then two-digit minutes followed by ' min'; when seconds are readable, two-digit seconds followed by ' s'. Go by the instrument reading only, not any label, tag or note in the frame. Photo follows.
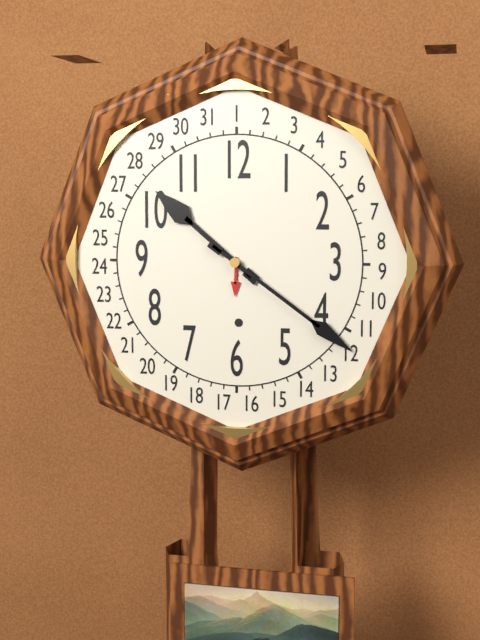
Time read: 10 h 21 min
